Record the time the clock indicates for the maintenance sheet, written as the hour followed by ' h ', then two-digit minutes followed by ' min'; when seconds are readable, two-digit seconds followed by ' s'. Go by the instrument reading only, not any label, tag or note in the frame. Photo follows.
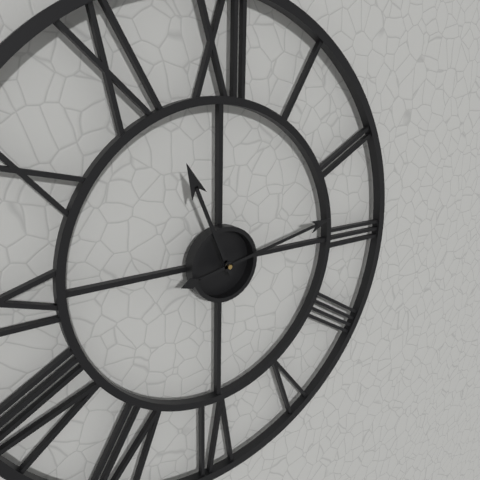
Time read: 11 h 13 min
